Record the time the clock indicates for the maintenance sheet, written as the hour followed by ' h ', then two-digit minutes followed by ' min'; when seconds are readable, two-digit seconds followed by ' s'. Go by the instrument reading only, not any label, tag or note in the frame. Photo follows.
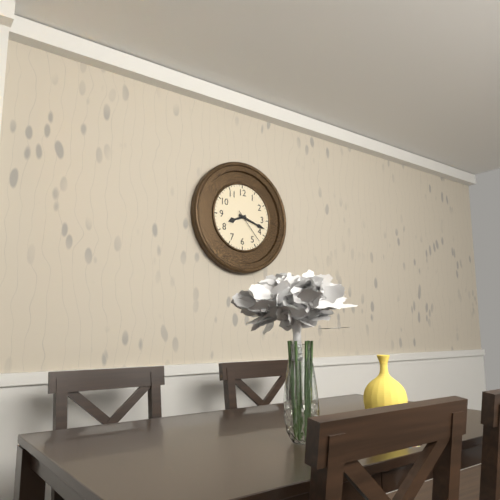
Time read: 8 h 18 min
